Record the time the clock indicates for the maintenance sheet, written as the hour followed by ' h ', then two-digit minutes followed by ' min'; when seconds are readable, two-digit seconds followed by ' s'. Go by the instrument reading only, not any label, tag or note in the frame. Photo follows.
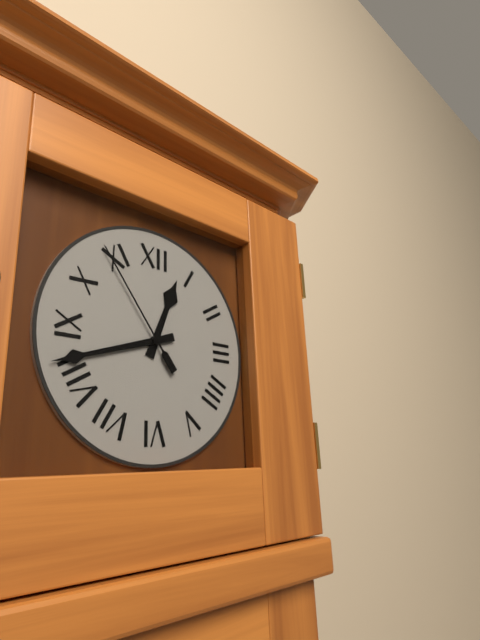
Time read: 12 h 42 min 54 s
